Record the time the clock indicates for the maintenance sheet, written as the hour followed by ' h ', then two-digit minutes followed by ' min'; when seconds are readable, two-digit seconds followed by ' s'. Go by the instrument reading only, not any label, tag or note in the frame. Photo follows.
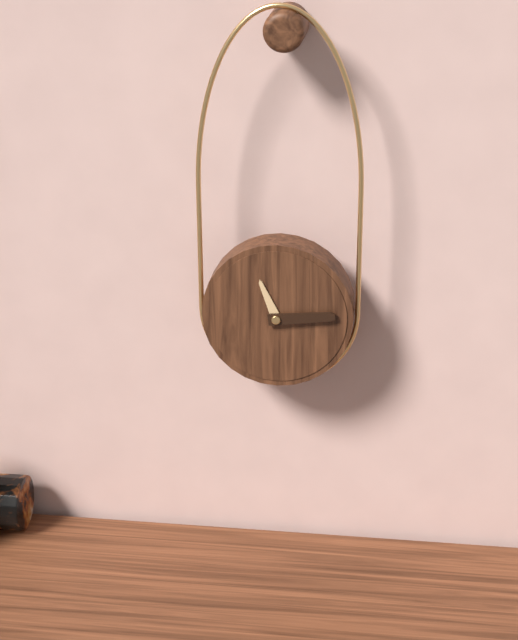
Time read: 11 h 14 min
